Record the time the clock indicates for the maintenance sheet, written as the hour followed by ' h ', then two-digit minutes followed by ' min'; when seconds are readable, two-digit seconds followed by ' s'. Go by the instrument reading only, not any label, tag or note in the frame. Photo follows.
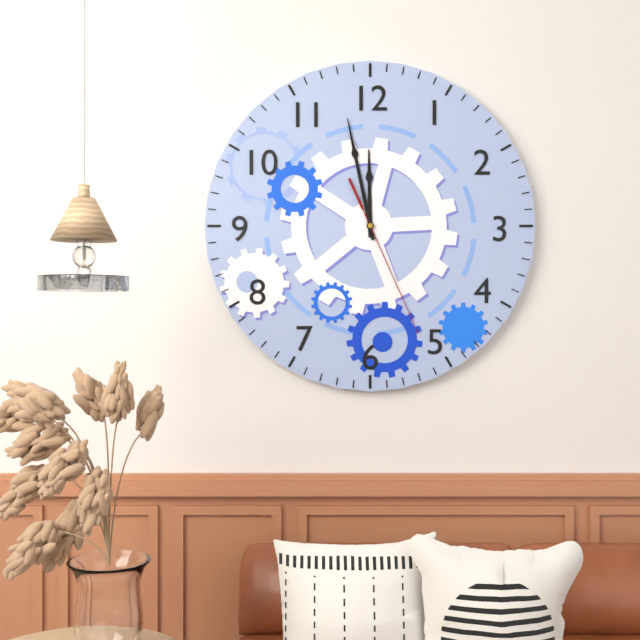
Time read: 11 h 58 min 26 s
